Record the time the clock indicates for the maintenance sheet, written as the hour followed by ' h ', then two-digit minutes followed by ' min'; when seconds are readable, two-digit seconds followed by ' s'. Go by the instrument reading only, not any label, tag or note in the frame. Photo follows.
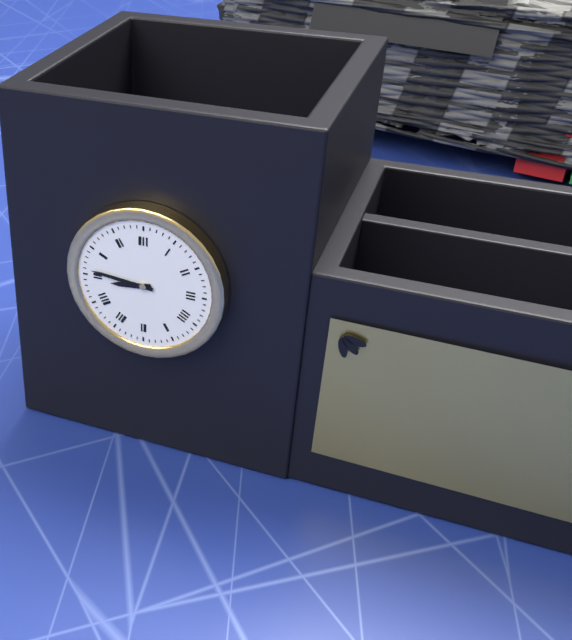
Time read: 8 h 46 min
